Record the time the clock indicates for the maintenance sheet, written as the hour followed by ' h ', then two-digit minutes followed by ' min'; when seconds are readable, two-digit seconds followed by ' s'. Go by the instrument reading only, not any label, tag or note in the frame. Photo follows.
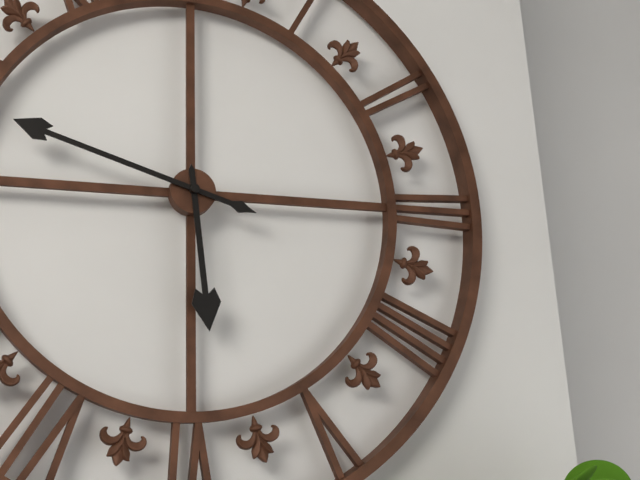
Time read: 5 h 48 min
